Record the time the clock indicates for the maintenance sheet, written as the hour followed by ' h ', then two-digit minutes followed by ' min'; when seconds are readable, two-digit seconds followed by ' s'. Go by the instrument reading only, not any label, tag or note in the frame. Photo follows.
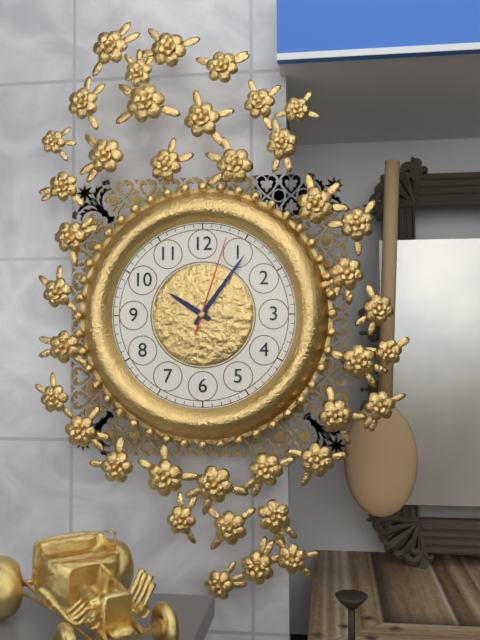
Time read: 10 h 06 min 03 s
